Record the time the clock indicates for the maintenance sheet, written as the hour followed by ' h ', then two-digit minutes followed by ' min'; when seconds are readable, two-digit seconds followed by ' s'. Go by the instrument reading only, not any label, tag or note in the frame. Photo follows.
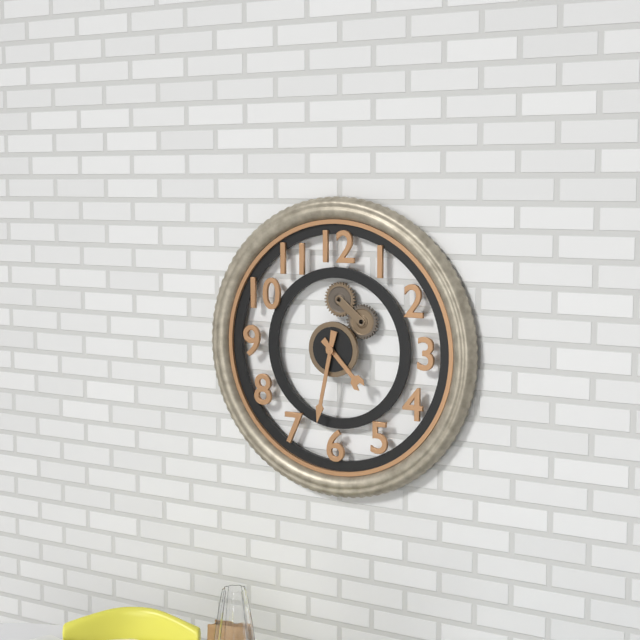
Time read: 4 h 32 min
